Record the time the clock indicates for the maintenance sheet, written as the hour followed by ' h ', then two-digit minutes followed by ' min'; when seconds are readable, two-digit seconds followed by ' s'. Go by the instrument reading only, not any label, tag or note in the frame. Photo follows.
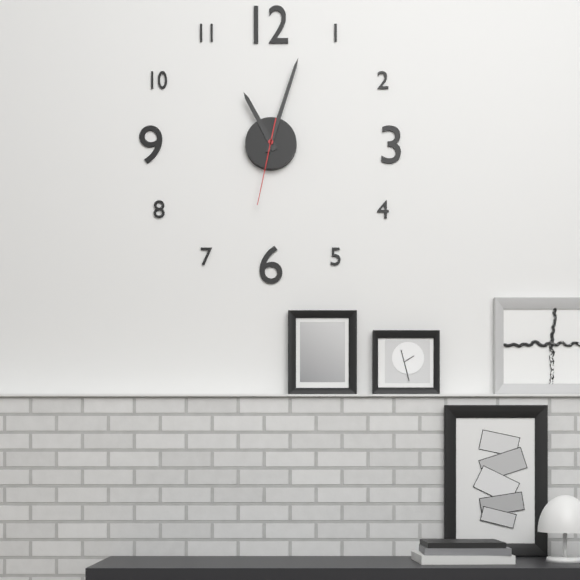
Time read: 11 h 03 min 32 s
